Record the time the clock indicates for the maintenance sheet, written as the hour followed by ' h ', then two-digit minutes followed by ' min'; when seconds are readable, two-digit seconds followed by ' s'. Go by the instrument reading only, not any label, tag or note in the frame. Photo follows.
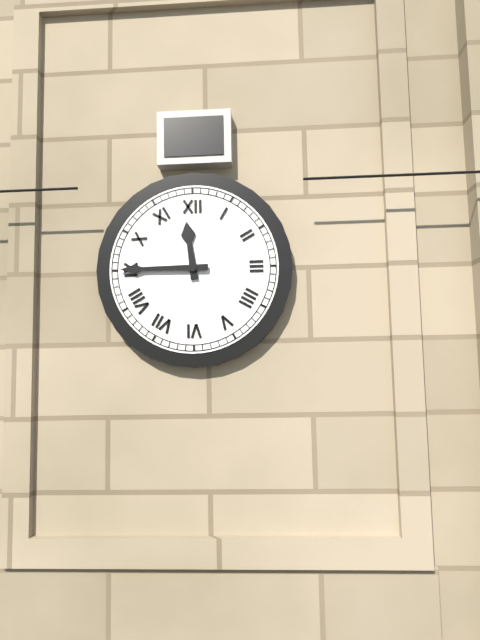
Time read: 11 h 45 min
